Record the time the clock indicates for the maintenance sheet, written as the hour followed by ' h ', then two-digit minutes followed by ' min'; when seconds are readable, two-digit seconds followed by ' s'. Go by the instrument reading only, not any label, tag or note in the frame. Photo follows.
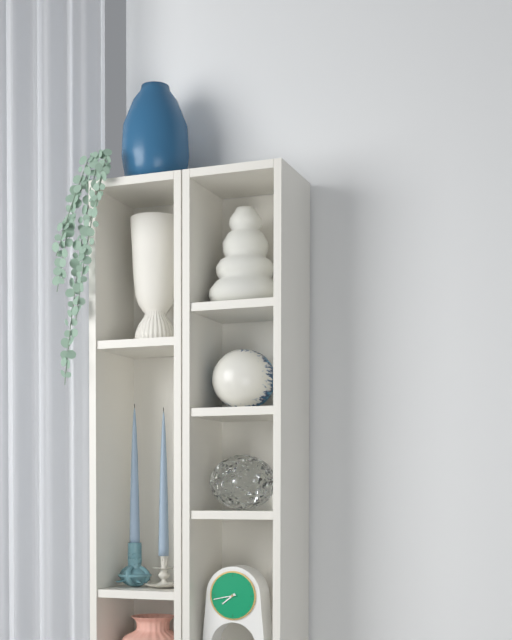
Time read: 7 h 43 min
